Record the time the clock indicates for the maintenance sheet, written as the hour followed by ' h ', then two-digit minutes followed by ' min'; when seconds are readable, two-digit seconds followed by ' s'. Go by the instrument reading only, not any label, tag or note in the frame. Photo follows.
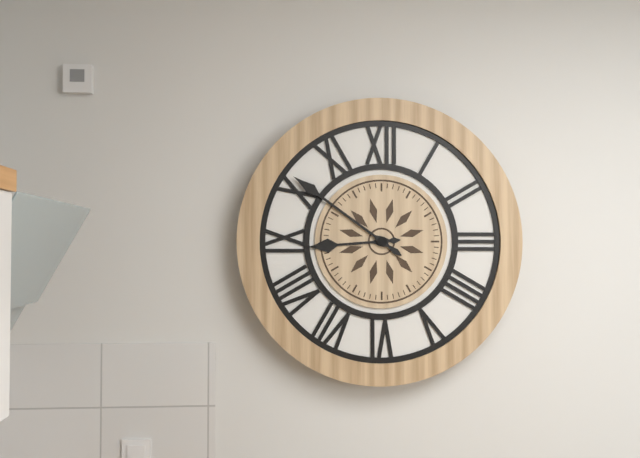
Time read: 8 h 51 min
